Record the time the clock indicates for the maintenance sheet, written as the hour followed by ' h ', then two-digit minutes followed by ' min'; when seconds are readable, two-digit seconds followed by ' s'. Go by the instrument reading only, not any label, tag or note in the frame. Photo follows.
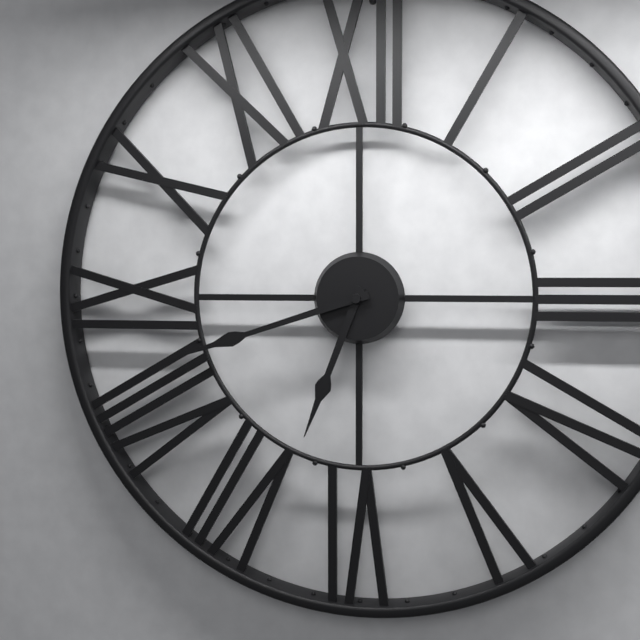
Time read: 6 h 42 min
